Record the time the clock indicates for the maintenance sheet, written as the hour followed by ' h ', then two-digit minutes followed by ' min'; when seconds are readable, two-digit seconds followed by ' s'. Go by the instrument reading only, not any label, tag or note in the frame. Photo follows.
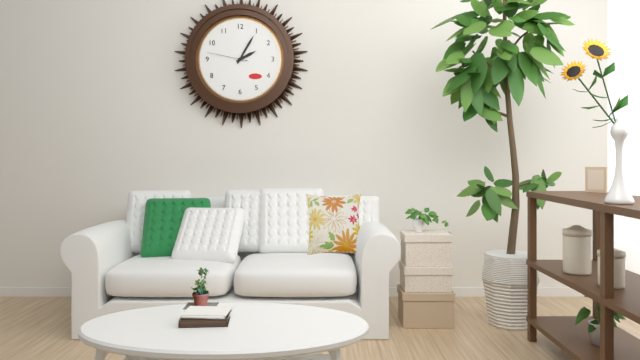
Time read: 2 h 05 min
